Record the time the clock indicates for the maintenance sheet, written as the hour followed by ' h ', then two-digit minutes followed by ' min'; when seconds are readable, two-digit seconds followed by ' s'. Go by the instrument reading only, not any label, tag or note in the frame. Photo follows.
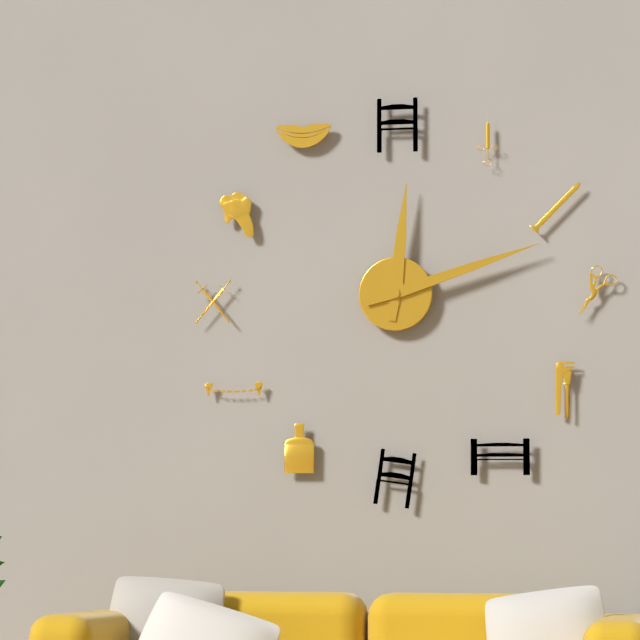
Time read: 12 h 12 min
